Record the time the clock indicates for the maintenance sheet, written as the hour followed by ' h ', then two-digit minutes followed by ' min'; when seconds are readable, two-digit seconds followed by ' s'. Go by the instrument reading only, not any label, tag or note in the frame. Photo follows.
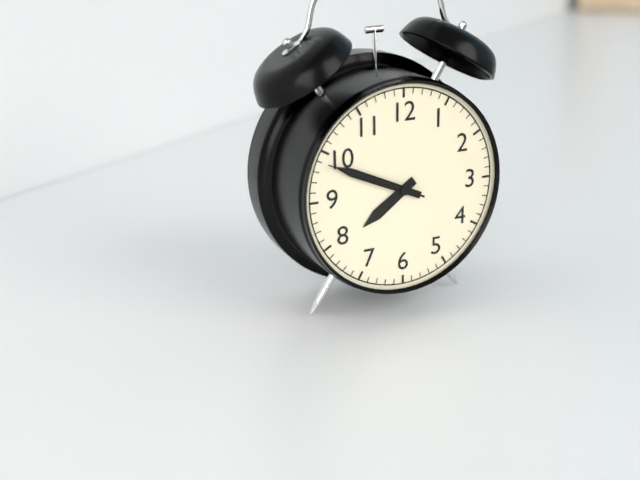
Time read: 7 h 49 min 49 s
